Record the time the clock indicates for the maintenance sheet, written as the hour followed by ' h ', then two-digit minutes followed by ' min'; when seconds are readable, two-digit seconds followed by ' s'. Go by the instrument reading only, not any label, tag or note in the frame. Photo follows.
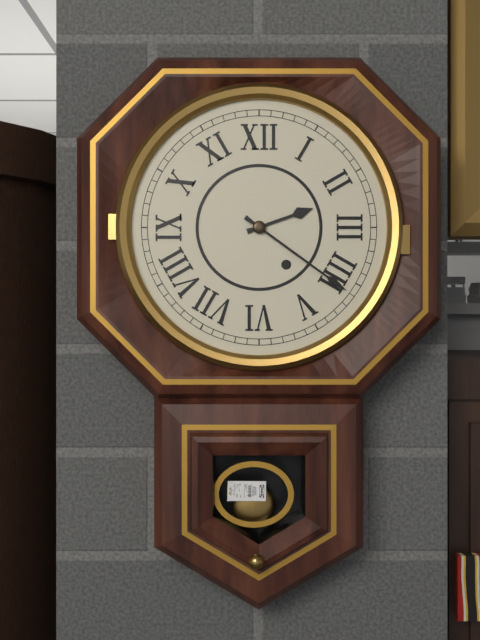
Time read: 2 h 21 min
